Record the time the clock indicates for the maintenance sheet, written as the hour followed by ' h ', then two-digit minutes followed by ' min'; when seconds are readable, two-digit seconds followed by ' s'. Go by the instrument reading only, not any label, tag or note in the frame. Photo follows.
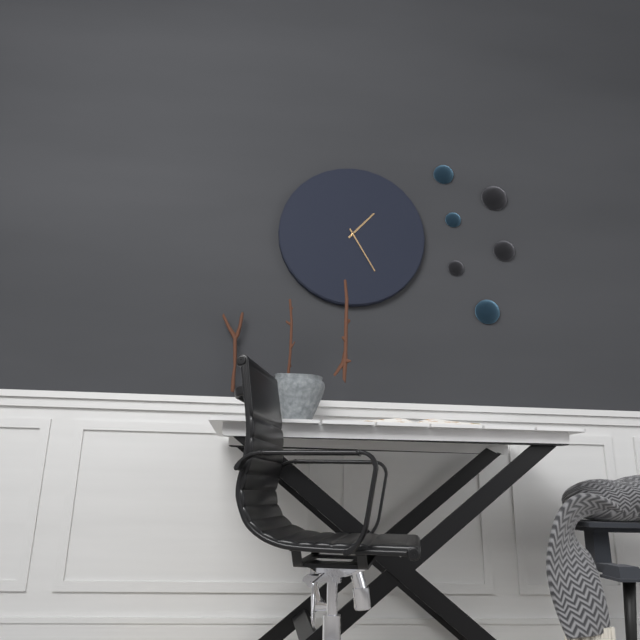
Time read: 1 h 25 min
